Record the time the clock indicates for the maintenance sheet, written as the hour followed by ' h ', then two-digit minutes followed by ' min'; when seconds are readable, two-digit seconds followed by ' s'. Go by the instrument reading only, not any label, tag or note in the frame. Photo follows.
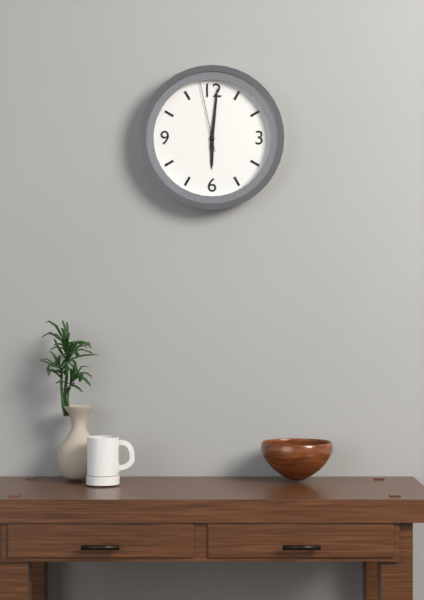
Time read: 6 h 01 min 58 s
